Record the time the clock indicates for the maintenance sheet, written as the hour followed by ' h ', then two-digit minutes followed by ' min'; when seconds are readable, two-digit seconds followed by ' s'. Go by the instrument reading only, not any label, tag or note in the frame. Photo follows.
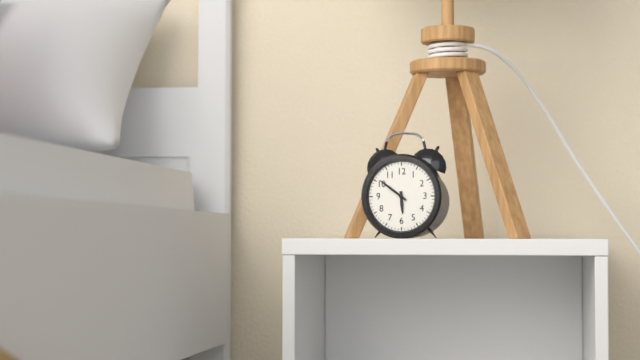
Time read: 5 h 51 min
